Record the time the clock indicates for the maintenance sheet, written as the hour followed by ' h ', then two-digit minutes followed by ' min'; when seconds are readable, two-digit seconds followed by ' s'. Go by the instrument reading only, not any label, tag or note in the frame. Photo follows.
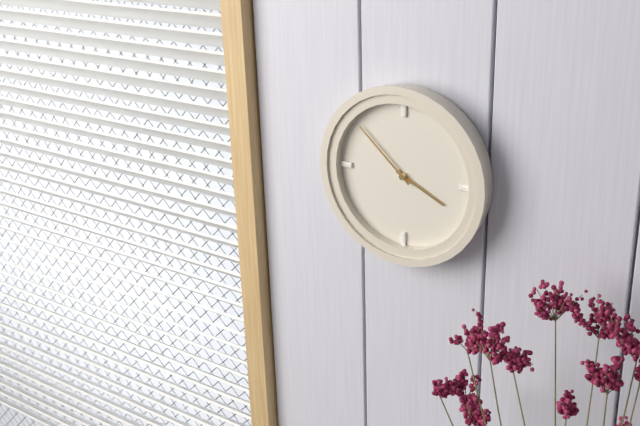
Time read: 3 h 52 min
